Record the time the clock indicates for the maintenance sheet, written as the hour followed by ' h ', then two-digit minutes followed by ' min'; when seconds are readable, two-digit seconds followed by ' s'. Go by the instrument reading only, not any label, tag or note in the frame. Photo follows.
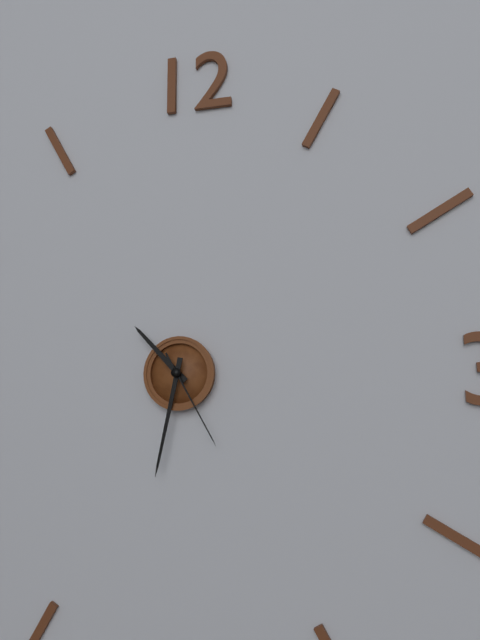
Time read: 10 h 32 min 25 s
